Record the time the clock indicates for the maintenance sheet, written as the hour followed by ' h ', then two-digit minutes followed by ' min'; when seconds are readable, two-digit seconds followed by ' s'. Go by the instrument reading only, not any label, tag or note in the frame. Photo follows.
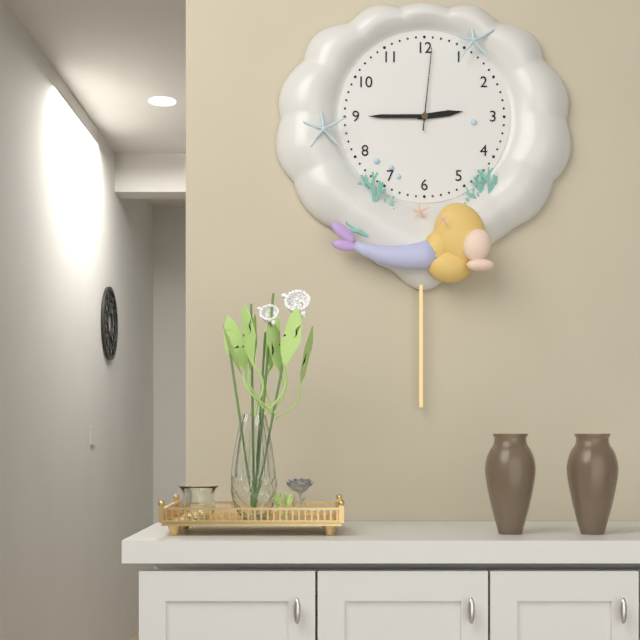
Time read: 2 h 45 min 01 s
